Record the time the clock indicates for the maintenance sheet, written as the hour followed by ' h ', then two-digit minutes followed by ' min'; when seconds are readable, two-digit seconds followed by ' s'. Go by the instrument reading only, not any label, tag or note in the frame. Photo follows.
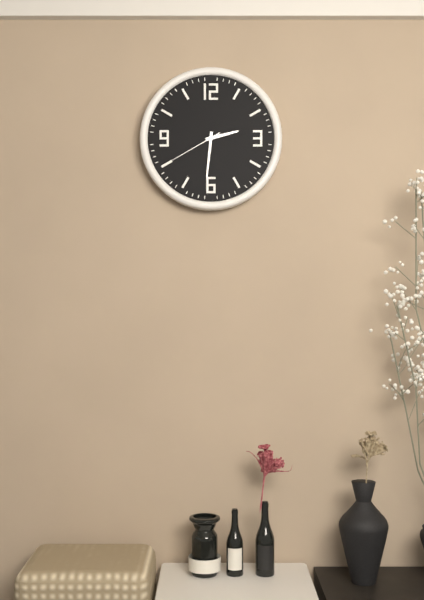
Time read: 2 h 31 min 40 s
